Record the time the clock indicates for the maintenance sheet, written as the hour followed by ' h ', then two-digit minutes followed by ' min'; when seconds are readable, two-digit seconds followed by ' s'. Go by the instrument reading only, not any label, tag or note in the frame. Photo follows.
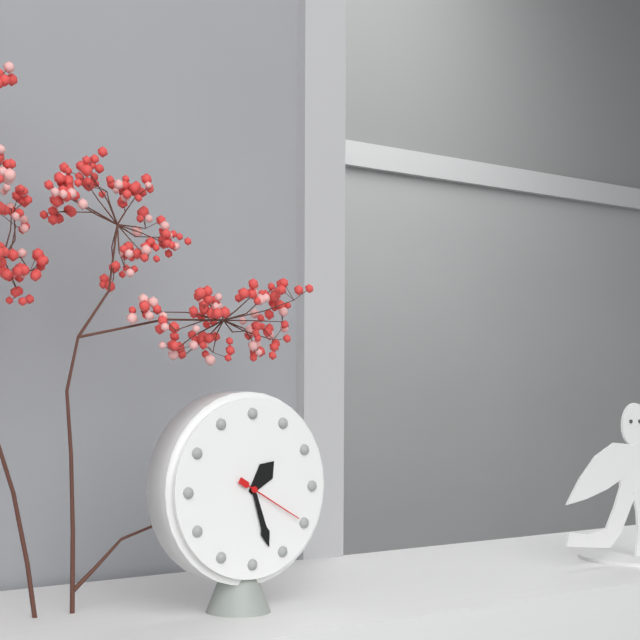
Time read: 1 h 27 min 20 s
